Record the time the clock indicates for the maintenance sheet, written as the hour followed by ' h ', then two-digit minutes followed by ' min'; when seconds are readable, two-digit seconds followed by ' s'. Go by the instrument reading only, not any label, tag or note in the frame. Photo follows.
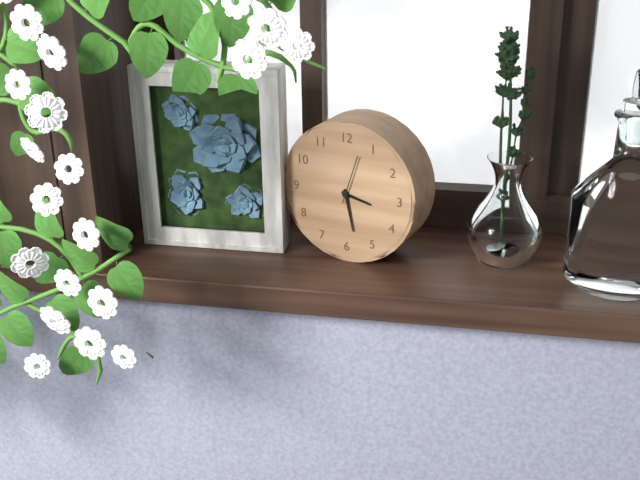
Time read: 3 h 28 min
